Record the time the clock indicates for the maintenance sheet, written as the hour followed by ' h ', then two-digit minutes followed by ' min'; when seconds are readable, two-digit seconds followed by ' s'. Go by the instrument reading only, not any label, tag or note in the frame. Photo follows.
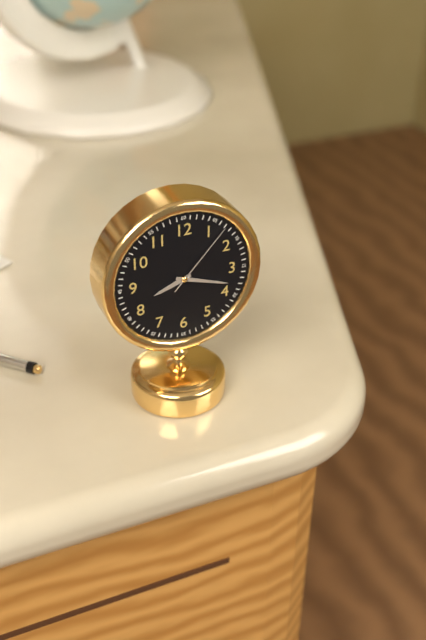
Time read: 8 h 18 min 07 s
